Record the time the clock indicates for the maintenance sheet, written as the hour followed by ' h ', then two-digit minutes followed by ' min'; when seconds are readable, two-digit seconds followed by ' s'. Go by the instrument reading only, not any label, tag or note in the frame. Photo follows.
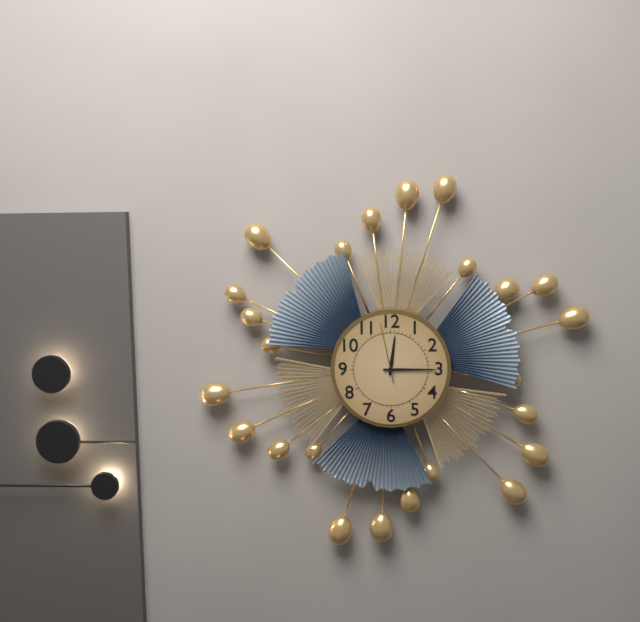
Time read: 12 h 15 min 58 s
